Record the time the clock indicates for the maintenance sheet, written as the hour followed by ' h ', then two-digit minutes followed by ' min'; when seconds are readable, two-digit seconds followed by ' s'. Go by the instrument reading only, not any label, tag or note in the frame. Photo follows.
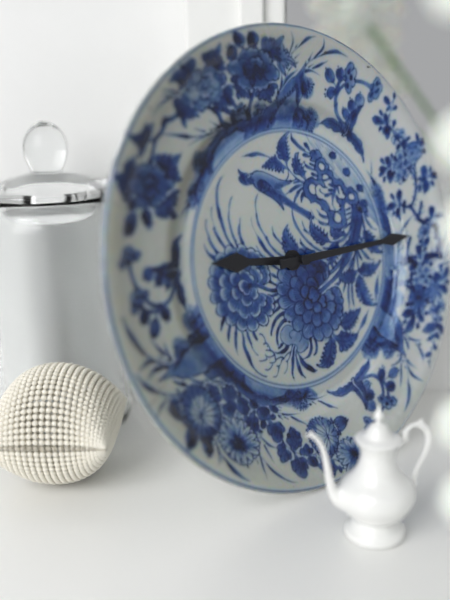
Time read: 9 h 15 min
